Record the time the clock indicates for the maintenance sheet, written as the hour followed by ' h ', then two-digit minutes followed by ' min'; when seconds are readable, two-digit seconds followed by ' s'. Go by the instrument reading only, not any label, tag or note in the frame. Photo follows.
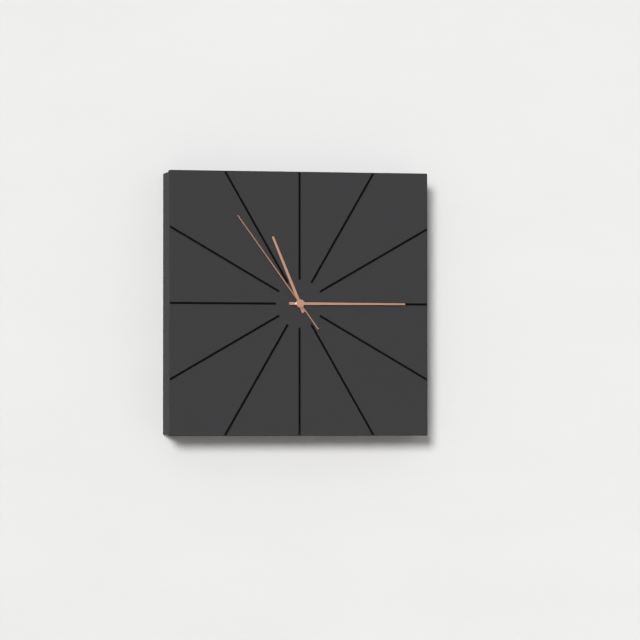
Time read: 11 h 15 min 54 s
